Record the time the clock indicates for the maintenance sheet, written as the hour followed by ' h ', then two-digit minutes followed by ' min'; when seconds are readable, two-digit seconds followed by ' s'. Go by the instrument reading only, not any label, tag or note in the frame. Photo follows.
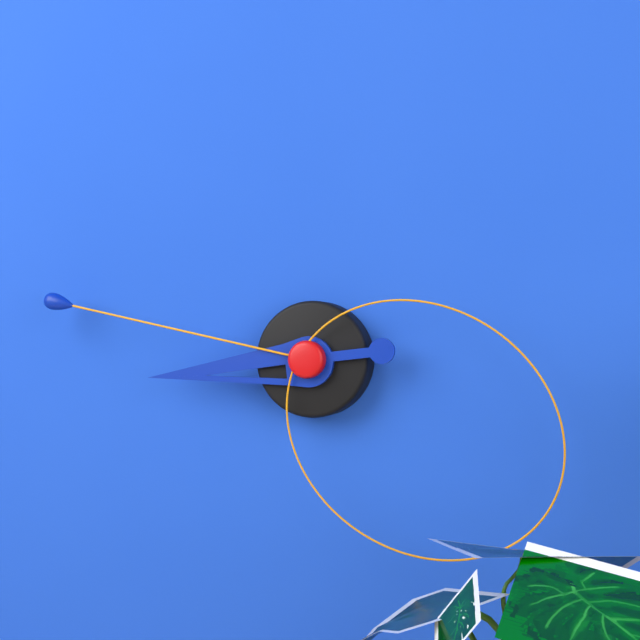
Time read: 8 h 47 min 20 s
